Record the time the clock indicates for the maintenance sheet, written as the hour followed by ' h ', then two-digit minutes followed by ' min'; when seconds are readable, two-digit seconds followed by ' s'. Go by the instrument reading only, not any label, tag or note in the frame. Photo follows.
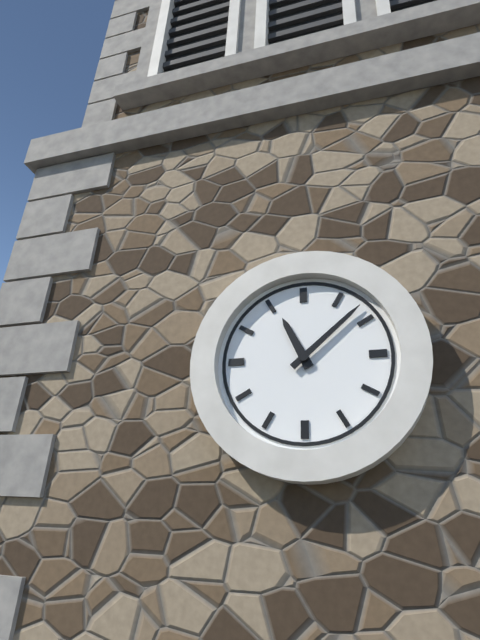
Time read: 11 h 08 min
